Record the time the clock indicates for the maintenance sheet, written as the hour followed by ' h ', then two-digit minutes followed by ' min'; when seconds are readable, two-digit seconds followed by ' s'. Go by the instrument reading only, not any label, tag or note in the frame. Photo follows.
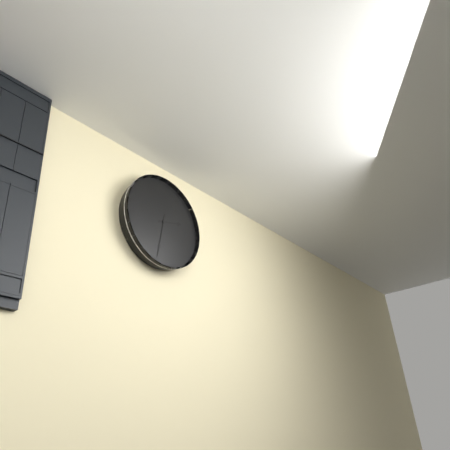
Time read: 2 h 32 min
